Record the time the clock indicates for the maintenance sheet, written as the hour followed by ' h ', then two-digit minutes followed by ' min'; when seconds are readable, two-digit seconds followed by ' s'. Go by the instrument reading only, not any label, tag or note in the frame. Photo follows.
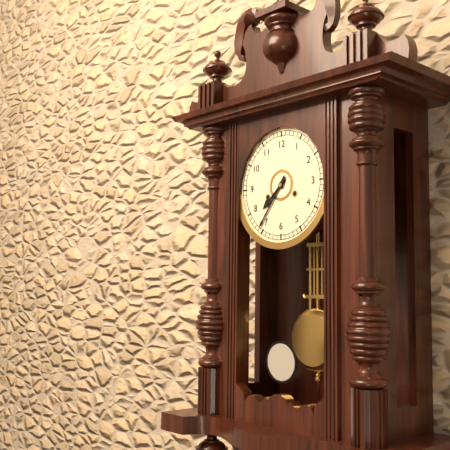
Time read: 7 h 36 min
